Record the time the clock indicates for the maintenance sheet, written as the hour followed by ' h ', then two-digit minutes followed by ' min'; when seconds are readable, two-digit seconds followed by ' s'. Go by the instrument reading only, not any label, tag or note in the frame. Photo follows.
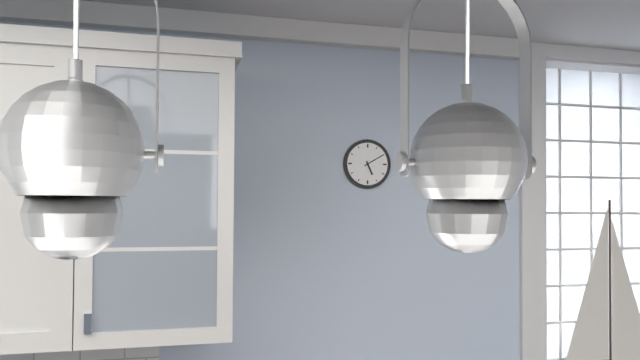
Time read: 5 h 10 min
